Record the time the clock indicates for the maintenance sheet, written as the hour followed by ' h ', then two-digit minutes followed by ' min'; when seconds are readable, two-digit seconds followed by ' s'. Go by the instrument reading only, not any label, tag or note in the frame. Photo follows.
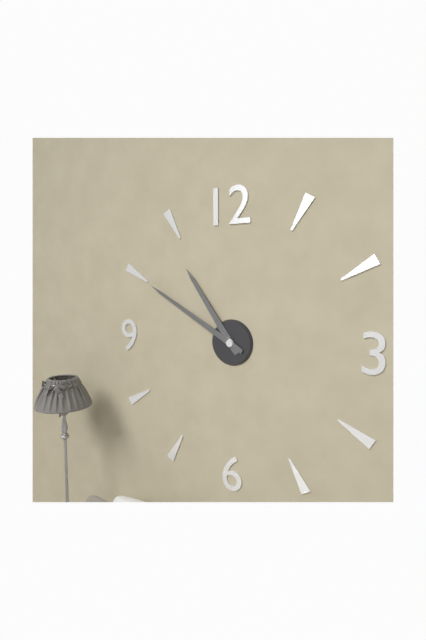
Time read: 10 h 50 min
